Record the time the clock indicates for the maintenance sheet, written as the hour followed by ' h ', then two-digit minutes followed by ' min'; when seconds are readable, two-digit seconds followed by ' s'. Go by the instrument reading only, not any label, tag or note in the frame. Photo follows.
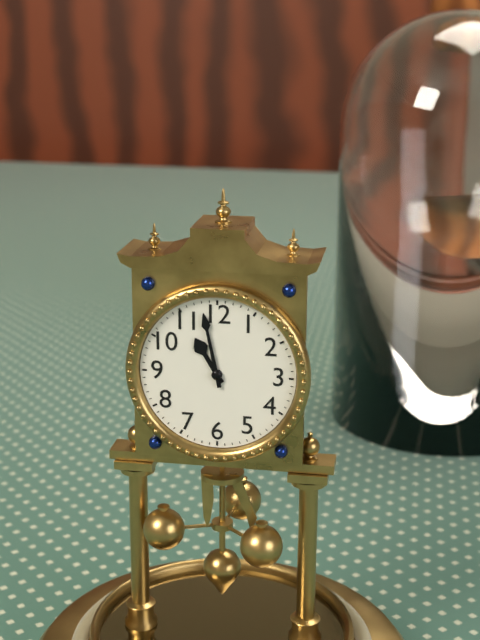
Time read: 10 h 58 min
